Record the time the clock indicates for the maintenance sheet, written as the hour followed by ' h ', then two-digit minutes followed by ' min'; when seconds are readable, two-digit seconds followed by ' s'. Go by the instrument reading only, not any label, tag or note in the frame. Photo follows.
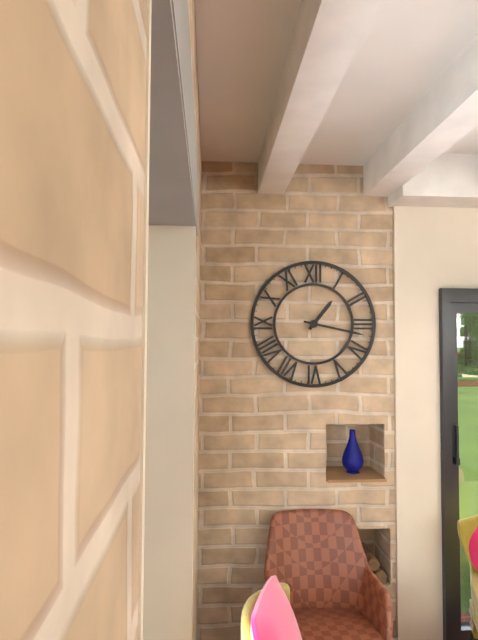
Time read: 1 h 17 min
